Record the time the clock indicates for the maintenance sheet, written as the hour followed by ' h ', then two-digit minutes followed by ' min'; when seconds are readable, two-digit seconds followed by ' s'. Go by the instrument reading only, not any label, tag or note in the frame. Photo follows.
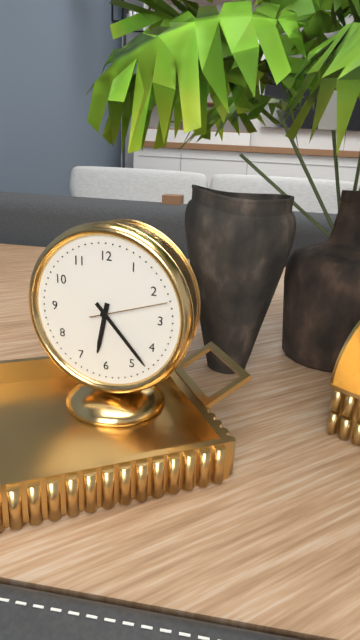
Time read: 6 h 23 min 12 s
